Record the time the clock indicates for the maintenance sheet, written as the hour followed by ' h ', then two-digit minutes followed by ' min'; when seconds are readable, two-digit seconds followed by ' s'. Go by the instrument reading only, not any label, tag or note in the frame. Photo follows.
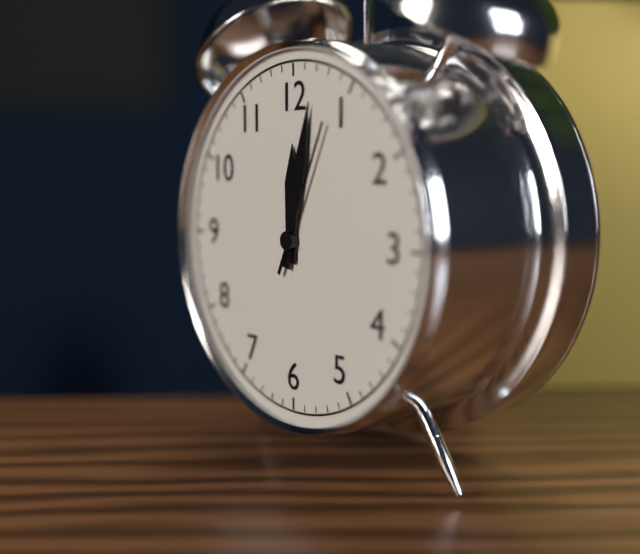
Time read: 12 h 02 min 04 s
